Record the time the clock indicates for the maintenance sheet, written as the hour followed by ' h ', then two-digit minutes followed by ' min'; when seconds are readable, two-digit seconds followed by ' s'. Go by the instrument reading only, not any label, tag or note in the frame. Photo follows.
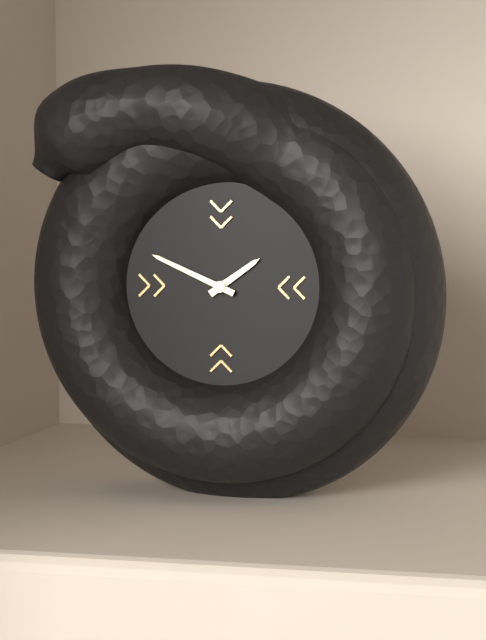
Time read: 1 h 49 min
